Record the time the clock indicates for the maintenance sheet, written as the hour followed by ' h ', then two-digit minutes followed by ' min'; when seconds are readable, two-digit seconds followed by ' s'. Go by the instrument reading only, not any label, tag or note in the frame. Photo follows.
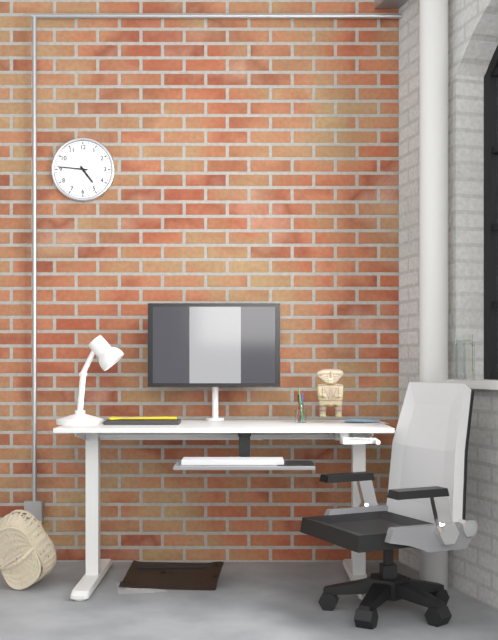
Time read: 4 h 46 min
